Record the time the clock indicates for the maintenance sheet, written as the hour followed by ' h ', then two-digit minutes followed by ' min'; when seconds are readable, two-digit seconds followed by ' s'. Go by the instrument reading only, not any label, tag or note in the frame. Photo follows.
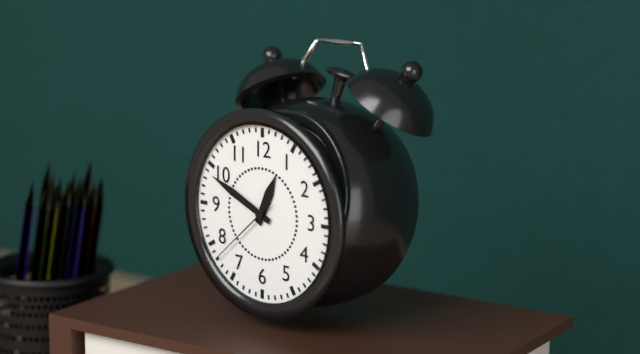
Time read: 12 h 49 min 38 s
